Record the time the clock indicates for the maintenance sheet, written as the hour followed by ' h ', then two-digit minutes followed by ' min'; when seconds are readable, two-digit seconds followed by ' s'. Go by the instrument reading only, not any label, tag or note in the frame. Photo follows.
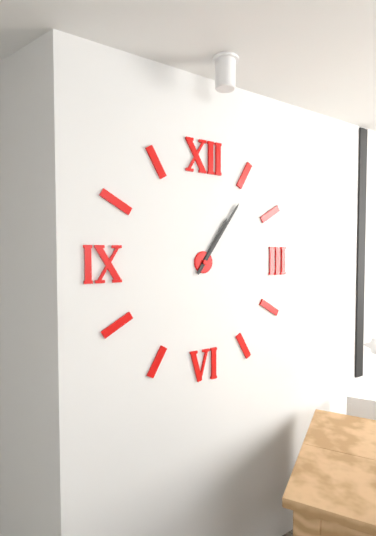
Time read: 1 h 06 min
